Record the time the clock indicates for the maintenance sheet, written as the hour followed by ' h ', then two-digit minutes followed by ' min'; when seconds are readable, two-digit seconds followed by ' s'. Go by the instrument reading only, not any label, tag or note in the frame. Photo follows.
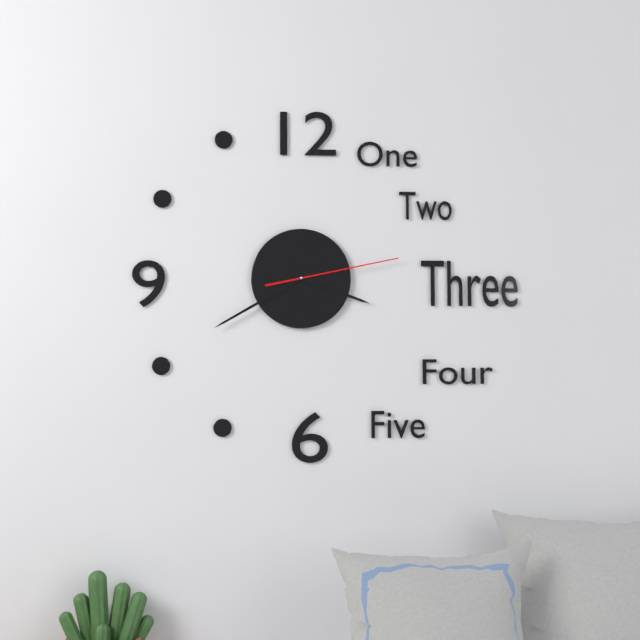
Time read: 3 h 40 min 13 s
